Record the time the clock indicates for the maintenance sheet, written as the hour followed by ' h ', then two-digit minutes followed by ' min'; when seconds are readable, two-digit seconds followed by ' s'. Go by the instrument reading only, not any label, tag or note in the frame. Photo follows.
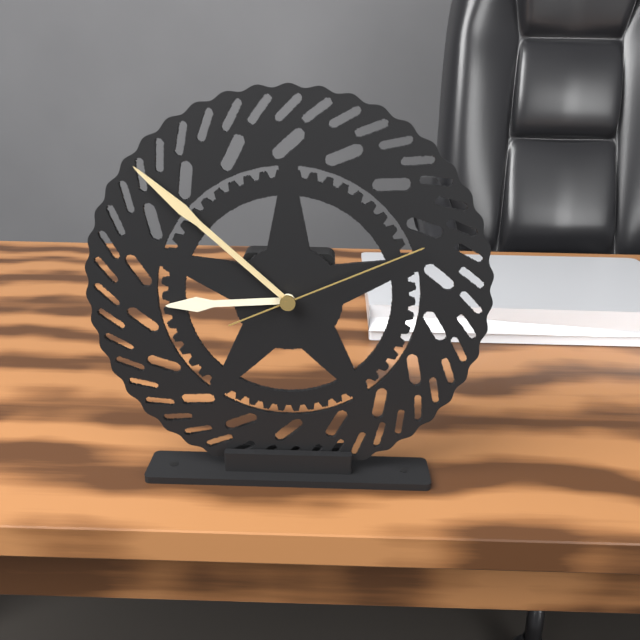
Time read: 8 h 52 min 11 s
